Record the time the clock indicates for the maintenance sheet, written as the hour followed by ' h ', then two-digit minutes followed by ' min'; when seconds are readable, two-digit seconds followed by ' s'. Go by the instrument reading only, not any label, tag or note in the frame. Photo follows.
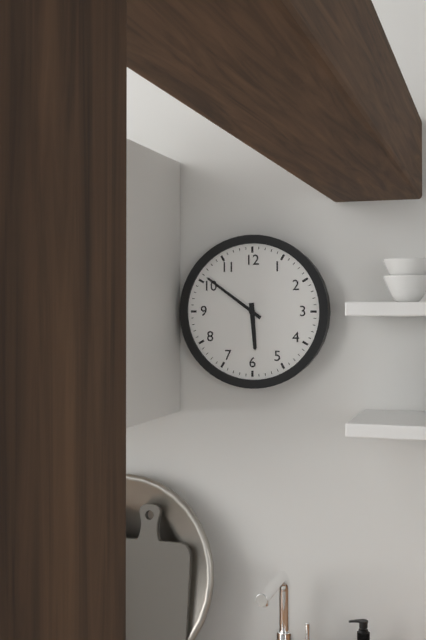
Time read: 5 h 51 min
